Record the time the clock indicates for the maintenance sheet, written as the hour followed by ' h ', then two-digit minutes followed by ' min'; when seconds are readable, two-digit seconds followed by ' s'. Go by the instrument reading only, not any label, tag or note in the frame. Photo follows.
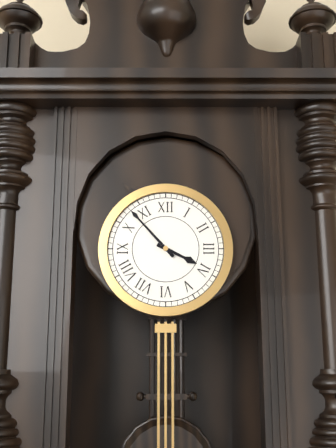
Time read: 3 h 53 min
